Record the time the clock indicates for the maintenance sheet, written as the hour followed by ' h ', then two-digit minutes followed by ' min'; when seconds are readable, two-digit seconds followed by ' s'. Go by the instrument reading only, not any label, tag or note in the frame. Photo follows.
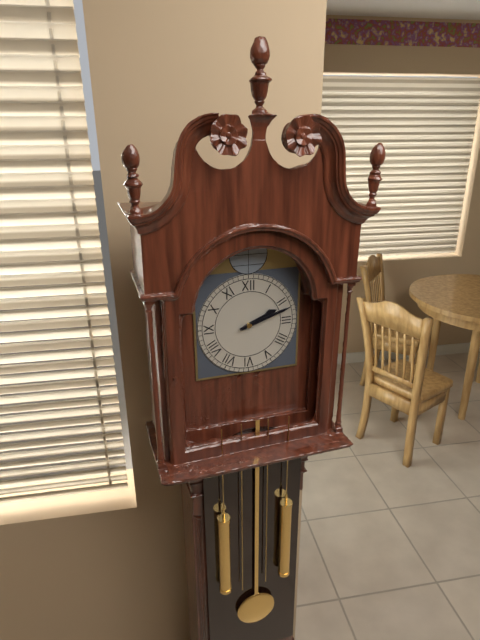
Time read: 2 h 12 min
